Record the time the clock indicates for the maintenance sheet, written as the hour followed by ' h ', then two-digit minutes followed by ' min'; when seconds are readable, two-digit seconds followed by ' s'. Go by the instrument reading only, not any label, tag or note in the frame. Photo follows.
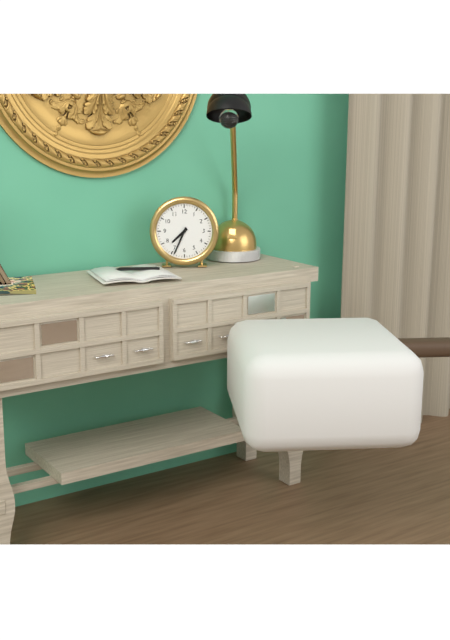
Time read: 7 h 34 min
